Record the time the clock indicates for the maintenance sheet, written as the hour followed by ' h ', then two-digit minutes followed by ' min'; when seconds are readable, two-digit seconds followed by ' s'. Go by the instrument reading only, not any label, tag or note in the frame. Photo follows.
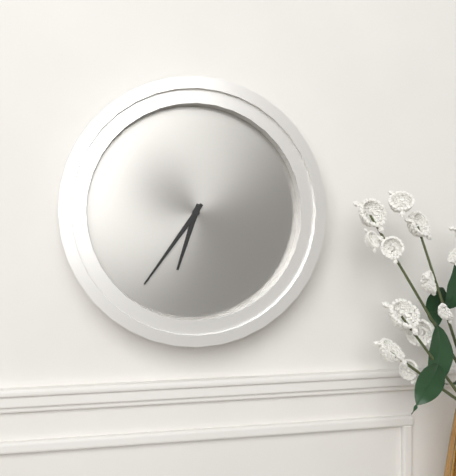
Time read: 6 h 36 min
